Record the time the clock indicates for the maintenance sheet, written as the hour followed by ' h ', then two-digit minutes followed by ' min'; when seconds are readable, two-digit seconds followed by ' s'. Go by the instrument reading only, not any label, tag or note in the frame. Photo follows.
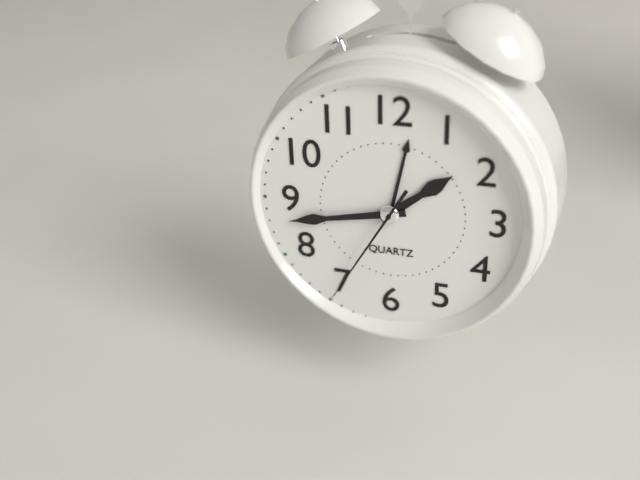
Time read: 1 h 43 min 35 s
